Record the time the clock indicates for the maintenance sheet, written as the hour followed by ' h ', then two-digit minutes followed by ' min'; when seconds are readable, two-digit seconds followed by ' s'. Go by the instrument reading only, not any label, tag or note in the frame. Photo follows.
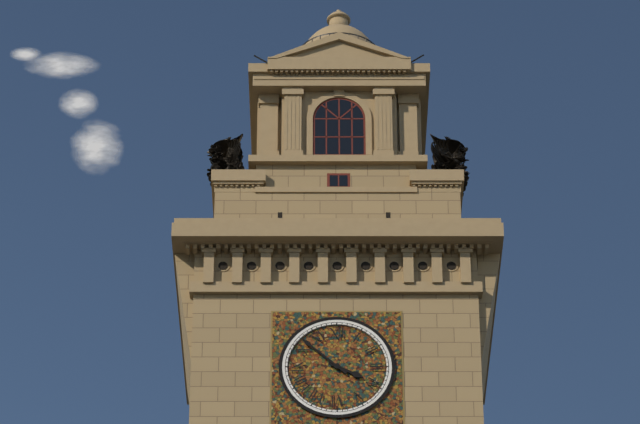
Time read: 3 h 52 min
